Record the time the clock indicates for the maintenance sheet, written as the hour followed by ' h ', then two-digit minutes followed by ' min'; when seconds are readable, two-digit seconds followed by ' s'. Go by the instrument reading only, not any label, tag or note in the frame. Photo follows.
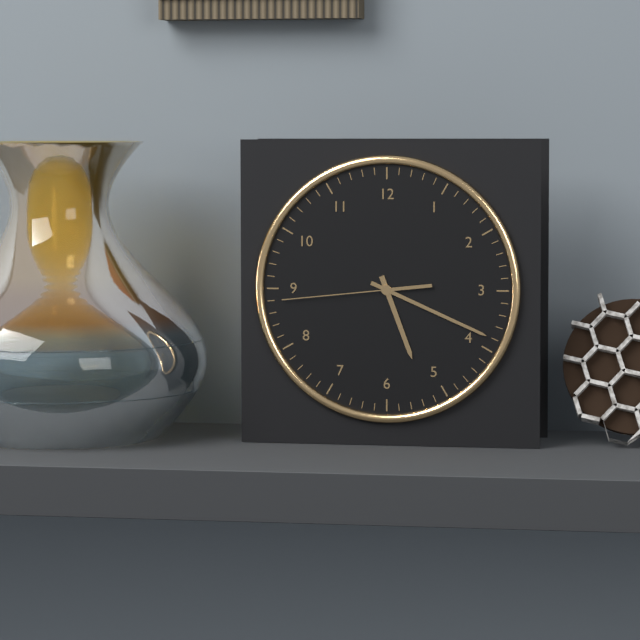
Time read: 5 h 19 min 44 s
